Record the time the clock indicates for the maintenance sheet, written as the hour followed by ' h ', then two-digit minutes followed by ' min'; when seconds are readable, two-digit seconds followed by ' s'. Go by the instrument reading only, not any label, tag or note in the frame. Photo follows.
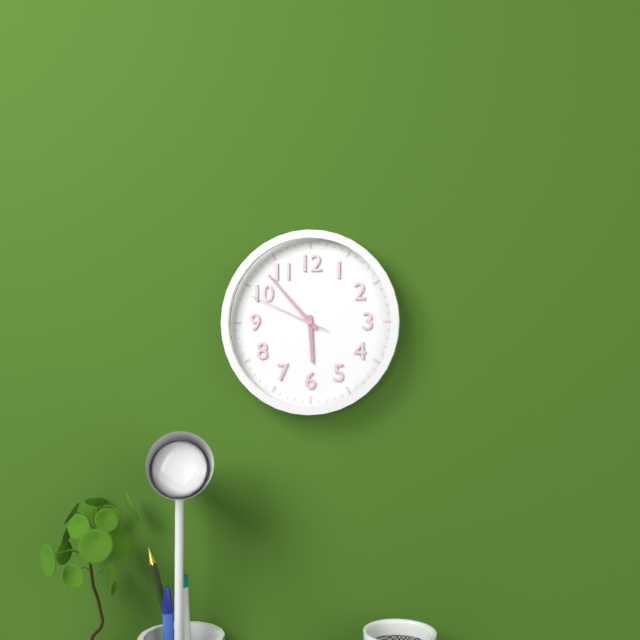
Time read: 5 h 53 min 49 s
